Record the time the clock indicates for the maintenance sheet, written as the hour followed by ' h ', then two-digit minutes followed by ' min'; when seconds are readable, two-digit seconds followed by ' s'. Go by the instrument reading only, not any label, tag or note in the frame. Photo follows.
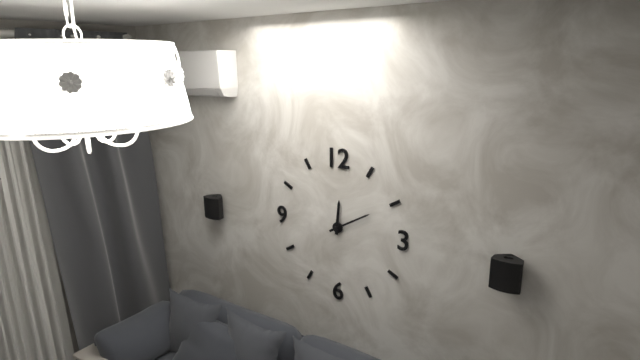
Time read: 12 h 10 min
